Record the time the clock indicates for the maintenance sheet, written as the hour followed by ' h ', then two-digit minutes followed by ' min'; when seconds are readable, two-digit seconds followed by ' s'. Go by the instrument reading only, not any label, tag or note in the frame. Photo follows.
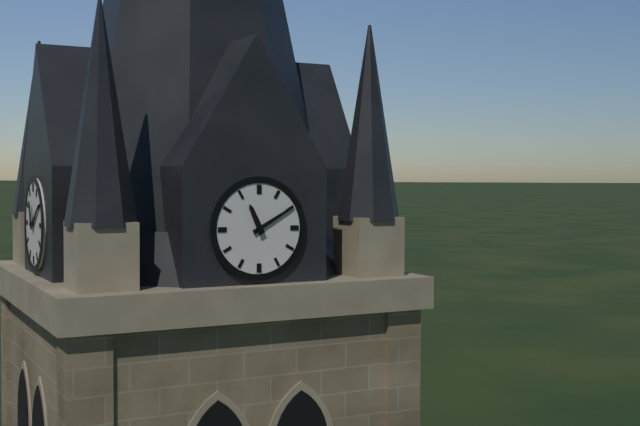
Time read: 11 h 10 min
